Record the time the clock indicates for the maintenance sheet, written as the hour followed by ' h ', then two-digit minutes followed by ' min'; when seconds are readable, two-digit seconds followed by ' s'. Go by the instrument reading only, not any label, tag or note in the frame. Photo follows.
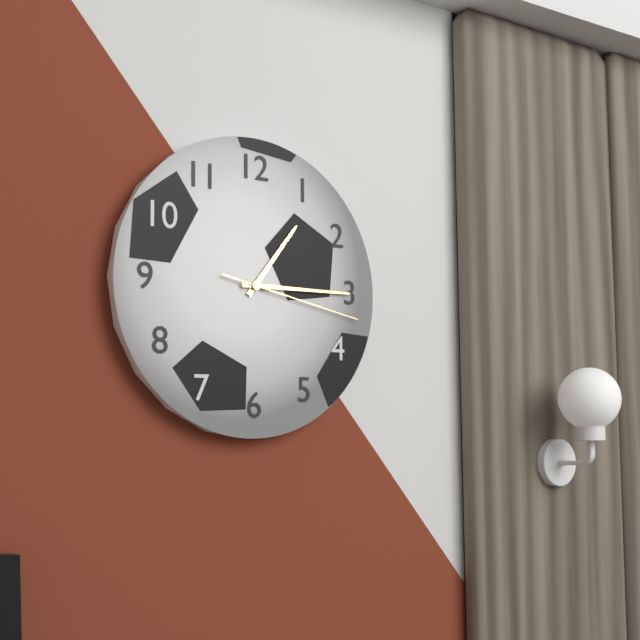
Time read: 1 h 15 min 17 s
